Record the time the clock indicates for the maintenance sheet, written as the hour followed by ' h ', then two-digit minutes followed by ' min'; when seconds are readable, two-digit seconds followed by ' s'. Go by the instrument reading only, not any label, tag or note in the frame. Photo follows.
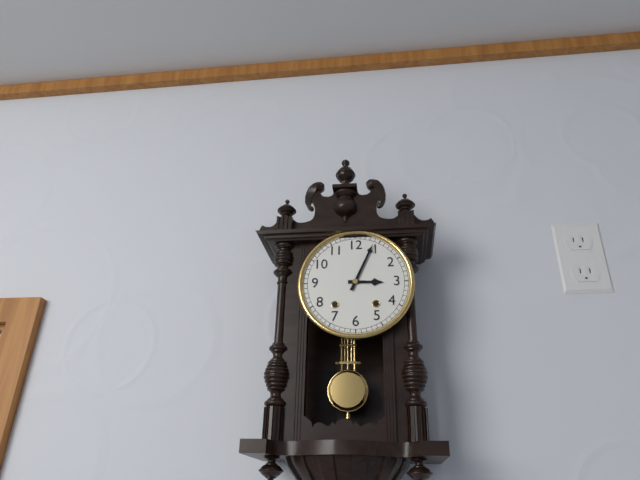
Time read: 3 h 04 min
